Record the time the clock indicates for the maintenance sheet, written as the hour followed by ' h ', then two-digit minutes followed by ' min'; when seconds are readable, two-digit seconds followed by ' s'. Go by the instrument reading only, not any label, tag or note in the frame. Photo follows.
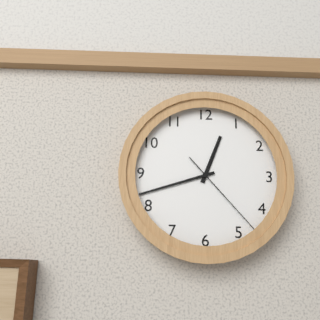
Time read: 12 h 42 min 23 s
